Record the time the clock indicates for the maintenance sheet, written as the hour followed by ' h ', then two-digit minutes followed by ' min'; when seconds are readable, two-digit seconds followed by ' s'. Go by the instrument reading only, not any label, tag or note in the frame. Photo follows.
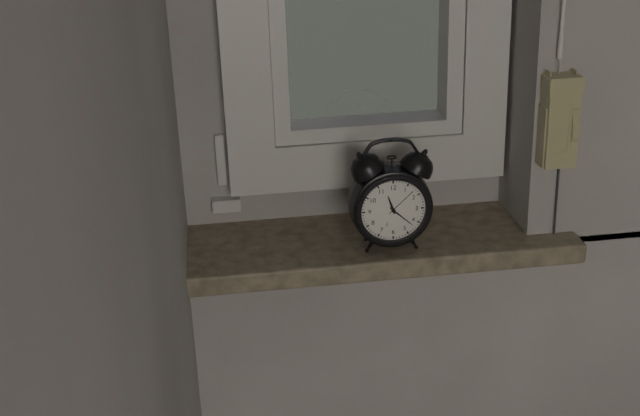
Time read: 11 h 22 min
